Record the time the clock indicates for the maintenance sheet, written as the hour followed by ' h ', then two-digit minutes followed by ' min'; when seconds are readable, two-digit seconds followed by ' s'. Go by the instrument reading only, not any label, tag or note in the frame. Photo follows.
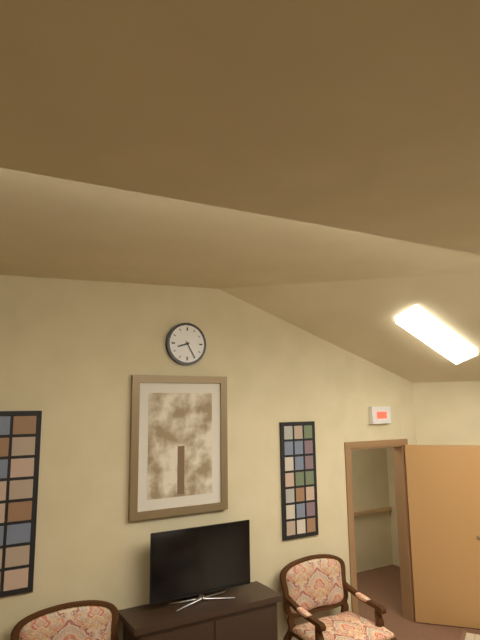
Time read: 8 h 25 min
